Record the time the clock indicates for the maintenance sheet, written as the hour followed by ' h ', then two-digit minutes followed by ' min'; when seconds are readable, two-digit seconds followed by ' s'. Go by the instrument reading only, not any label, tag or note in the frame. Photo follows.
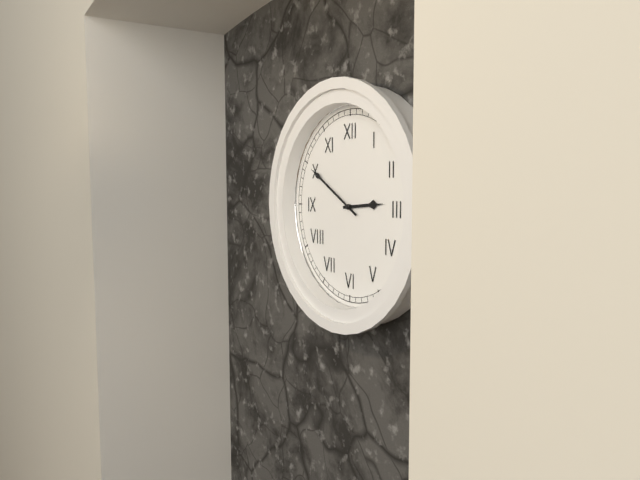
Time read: 2 h 50 min
